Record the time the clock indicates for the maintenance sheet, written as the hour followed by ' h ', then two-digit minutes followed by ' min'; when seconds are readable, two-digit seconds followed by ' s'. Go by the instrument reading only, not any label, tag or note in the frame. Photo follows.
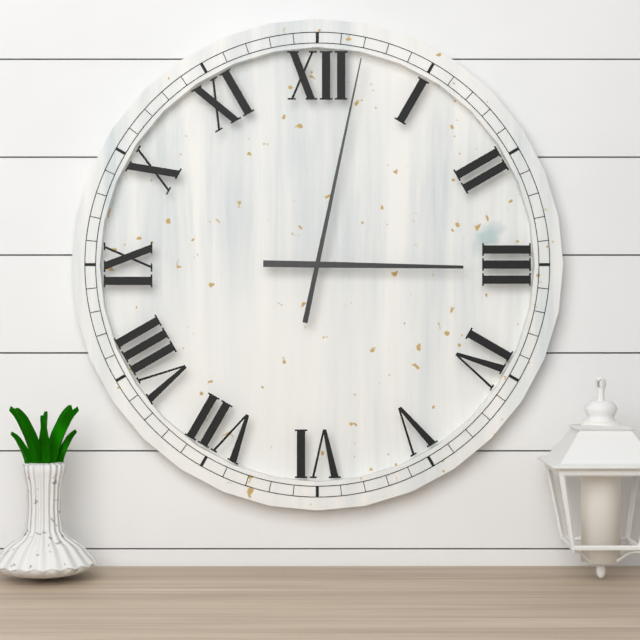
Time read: 3 h 02 min
